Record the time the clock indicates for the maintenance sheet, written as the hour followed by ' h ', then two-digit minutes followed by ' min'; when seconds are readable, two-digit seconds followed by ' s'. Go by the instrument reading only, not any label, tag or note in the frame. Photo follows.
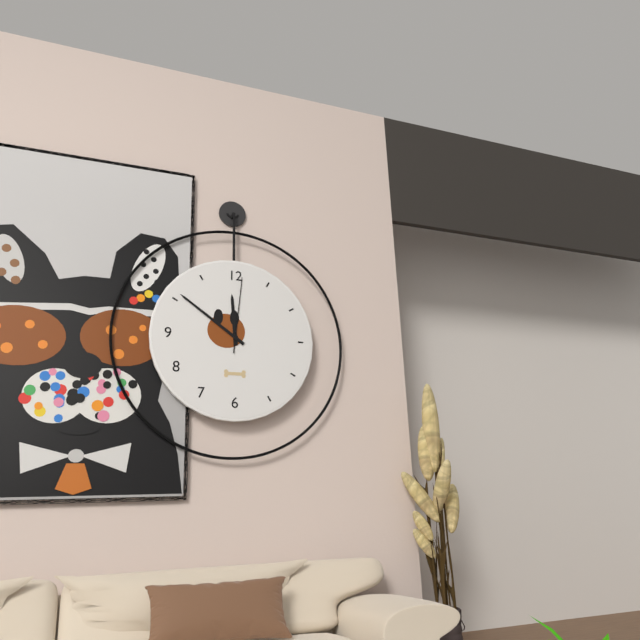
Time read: 11 h 51 min 01 s
